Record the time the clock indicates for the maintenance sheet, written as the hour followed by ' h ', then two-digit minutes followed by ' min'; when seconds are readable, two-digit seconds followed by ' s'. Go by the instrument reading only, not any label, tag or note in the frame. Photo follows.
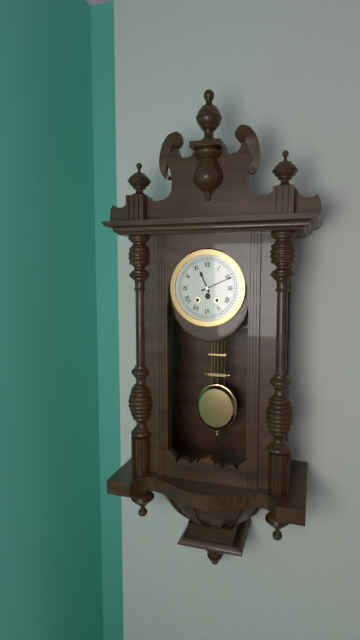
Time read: 11 h 11 min
